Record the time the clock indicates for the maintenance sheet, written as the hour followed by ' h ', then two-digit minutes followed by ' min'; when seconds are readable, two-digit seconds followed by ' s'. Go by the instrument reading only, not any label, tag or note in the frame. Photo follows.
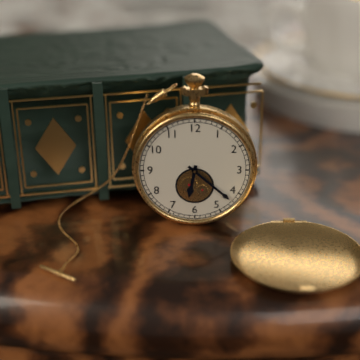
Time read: 6 h 22 min
